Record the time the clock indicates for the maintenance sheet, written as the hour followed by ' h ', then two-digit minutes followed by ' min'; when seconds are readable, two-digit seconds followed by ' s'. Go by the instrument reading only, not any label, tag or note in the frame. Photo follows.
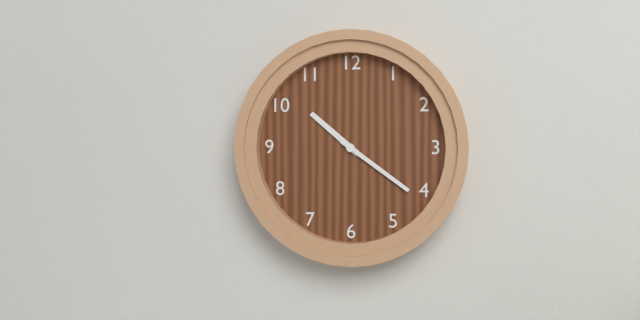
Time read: 10 h 21 min
